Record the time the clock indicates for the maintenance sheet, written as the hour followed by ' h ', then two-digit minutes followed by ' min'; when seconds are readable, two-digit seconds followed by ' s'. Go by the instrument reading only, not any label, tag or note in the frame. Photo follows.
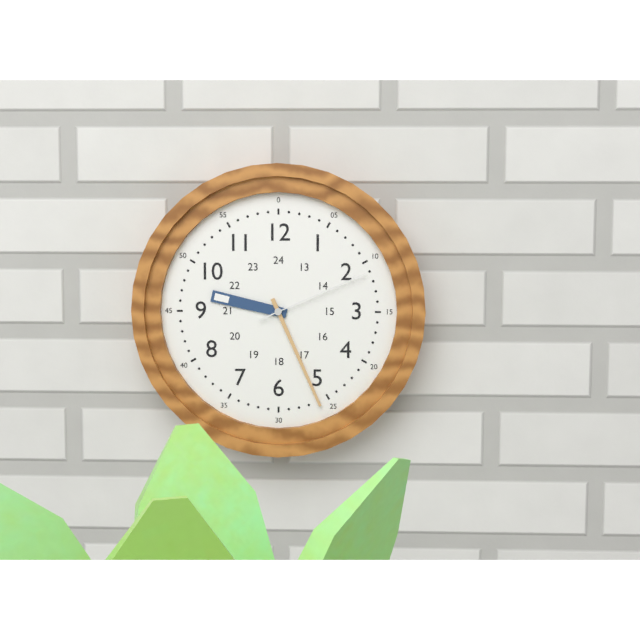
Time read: 9 h 26 min 11 s
